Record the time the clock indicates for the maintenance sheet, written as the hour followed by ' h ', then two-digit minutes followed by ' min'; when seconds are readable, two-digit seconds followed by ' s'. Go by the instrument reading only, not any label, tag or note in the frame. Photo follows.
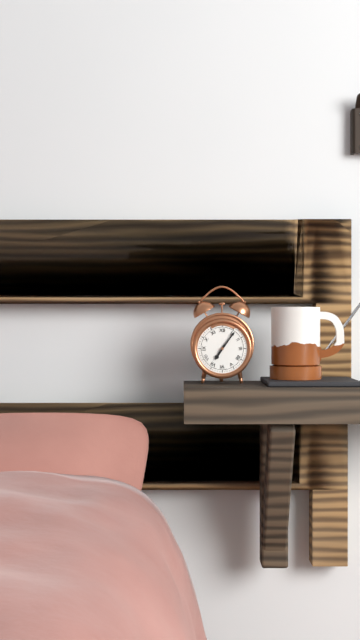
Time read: 7 h 06 min
